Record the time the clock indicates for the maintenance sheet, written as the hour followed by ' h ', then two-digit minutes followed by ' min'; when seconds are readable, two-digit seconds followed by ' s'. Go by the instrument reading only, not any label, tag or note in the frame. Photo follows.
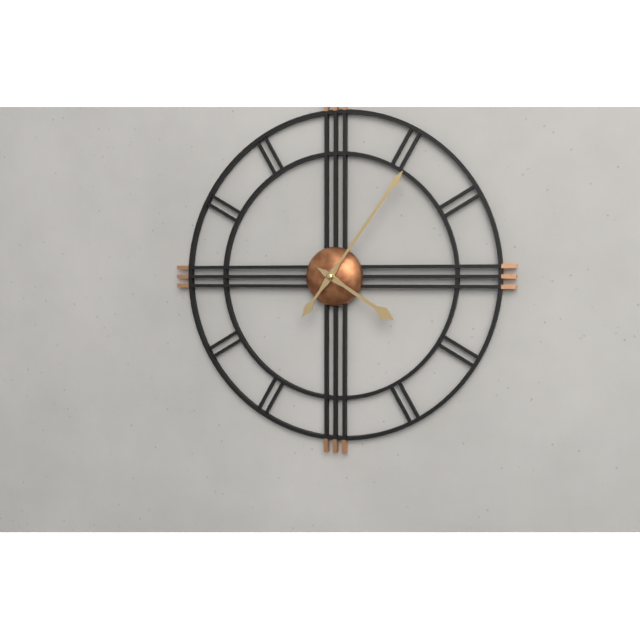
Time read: 4 h 06 min
